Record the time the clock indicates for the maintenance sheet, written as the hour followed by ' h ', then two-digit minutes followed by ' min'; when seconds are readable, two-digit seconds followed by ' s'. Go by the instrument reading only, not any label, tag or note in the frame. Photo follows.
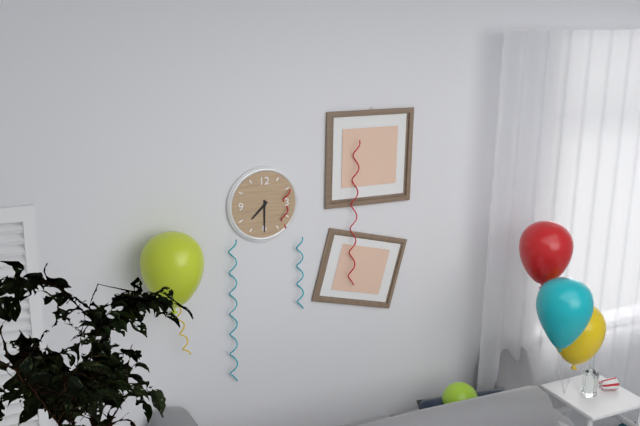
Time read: 7 h 30 min
